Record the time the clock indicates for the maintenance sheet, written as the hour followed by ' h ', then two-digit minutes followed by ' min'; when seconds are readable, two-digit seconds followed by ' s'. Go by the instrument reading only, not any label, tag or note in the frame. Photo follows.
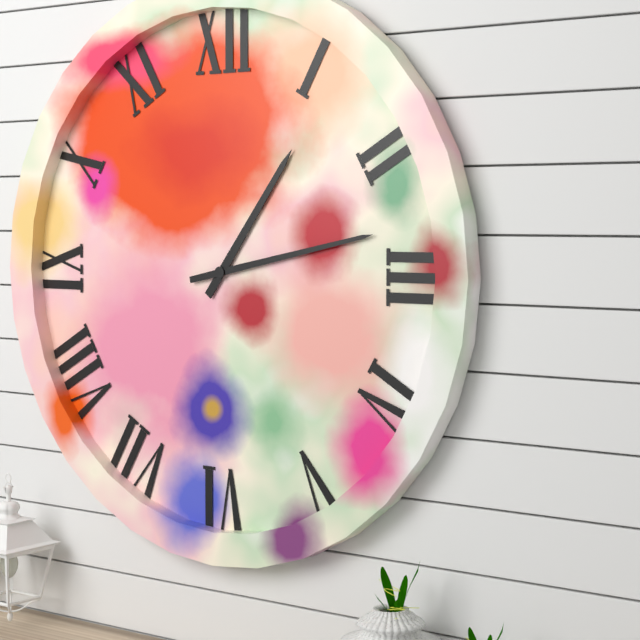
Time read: 1 h 13 min
